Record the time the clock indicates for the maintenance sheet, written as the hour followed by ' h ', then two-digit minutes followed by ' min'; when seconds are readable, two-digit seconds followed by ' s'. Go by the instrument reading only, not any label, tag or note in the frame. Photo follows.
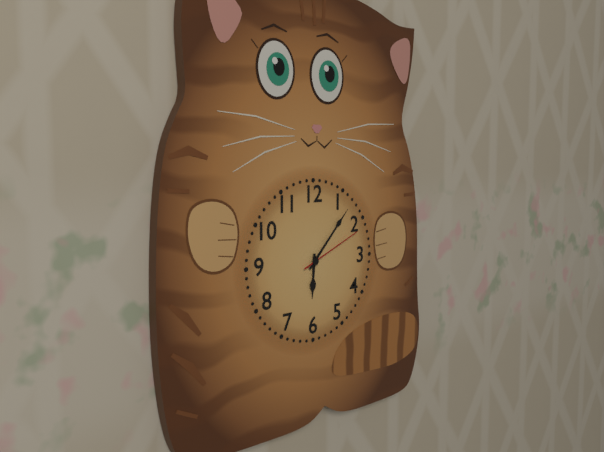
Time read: 6 h 07 min 11 s
